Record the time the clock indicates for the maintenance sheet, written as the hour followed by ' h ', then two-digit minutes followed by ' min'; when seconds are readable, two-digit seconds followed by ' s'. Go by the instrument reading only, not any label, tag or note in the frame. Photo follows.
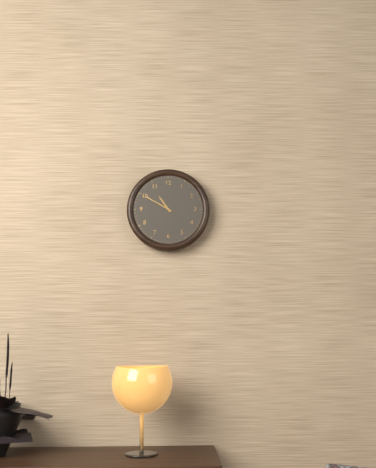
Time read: 10 h 50 min
